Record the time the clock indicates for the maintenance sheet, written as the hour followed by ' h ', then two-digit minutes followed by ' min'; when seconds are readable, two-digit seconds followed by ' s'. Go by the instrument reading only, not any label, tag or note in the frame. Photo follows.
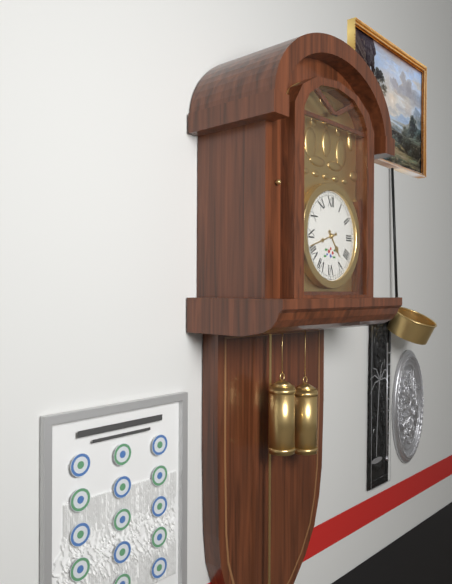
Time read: 4 h 42 min
